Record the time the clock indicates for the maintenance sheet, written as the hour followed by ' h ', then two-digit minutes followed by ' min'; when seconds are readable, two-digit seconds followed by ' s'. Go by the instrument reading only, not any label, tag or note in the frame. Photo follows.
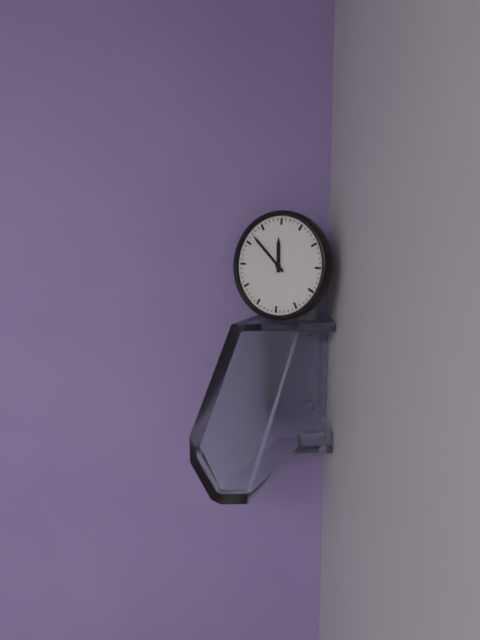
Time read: 11 h 52 min
